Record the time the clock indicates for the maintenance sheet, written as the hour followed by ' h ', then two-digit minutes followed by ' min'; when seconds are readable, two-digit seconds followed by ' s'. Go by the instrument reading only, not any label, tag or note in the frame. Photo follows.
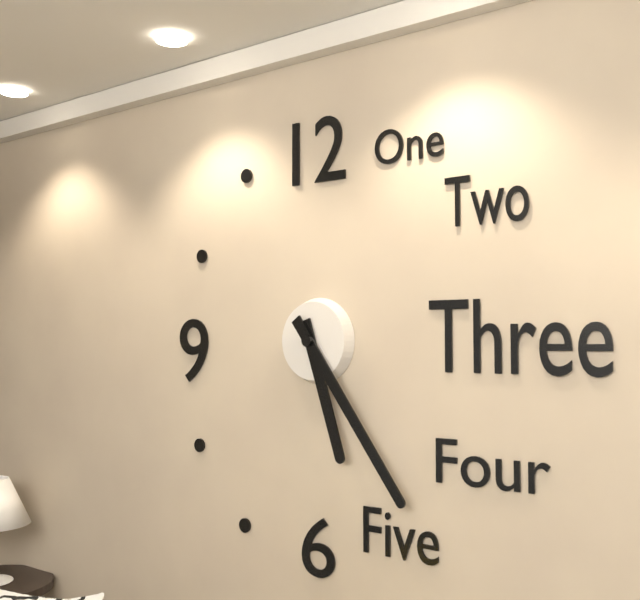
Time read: 5 h 24 min
